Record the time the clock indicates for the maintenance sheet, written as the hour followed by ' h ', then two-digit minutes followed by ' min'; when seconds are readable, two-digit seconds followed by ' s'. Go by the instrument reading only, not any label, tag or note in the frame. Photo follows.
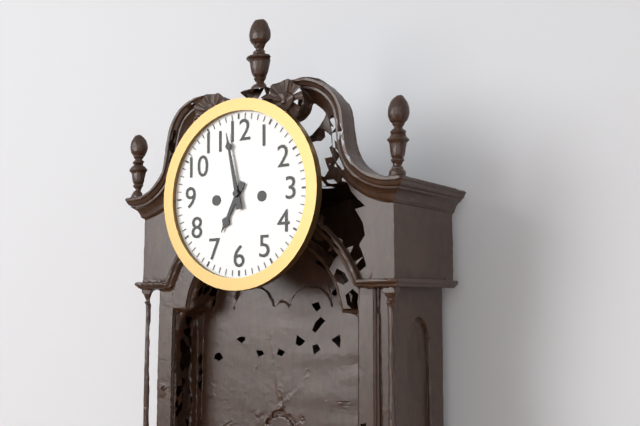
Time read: 6 h 58 min
